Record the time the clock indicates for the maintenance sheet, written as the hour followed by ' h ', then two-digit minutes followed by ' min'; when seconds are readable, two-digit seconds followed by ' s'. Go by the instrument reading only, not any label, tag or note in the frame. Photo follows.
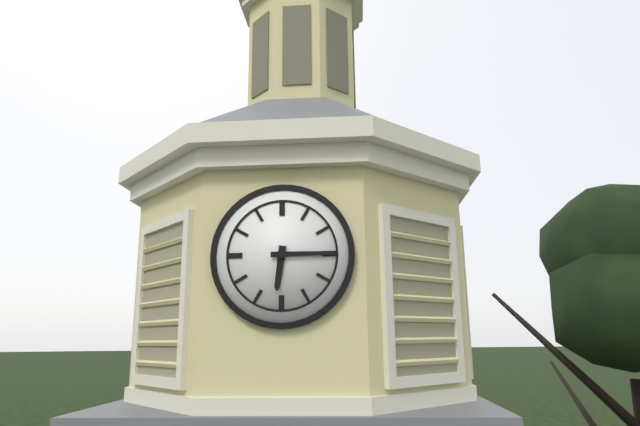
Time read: 6 h 15 min
